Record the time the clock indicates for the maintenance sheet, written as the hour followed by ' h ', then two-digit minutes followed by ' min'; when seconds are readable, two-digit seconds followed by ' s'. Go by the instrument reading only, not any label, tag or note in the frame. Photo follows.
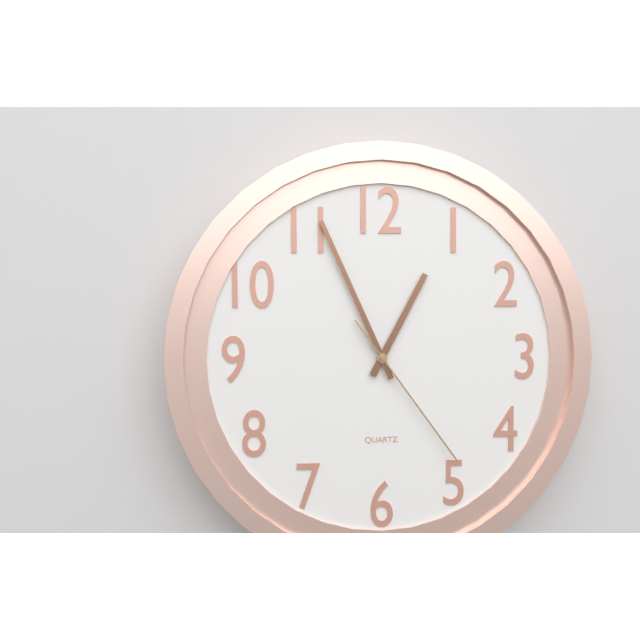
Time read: 12 h 56 min 24 s
